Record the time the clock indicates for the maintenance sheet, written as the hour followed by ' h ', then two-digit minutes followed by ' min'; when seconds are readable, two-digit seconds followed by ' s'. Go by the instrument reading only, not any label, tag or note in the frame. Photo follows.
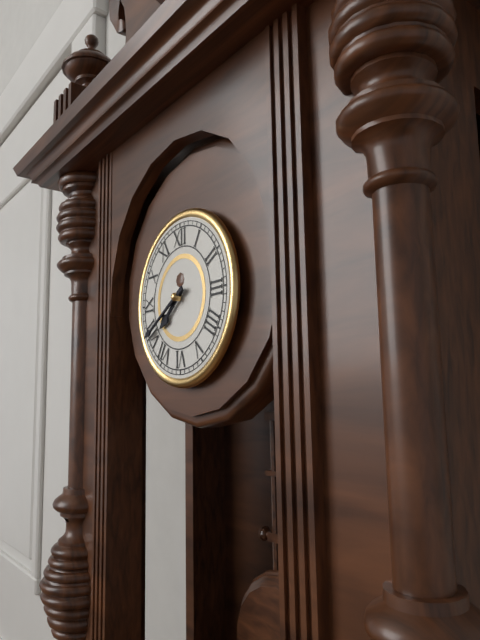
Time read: 7 h 40 min
